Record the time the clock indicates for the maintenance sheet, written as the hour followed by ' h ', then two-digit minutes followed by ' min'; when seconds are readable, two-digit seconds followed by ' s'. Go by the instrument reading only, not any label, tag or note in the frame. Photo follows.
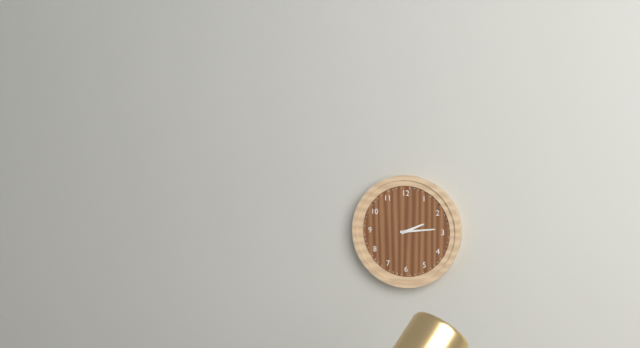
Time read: 2 h 14 min
